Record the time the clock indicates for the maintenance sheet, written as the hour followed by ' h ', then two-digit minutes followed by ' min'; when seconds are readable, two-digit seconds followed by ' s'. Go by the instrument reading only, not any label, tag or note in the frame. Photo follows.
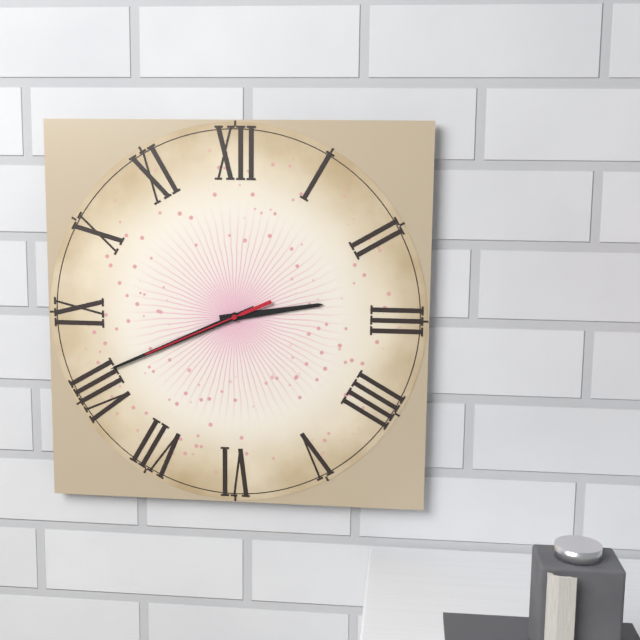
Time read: 2 h 41 min 41 s
